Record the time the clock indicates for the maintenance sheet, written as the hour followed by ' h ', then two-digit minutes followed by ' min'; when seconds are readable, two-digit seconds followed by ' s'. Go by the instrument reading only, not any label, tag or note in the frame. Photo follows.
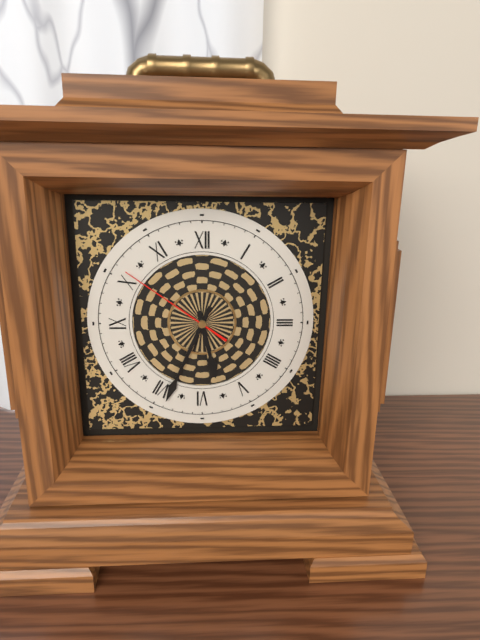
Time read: 5 h 34 min 51 s
